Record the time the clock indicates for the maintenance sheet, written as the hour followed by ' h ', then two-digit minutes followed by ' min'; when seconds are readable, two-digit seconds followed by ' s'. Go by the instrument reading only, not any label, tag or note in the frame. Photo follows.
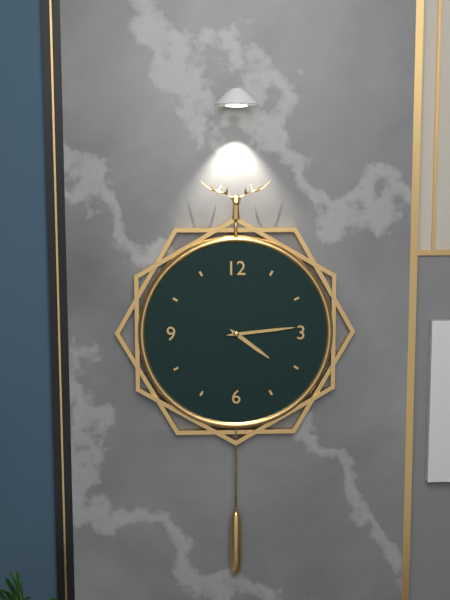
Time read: 4 h 14 min
